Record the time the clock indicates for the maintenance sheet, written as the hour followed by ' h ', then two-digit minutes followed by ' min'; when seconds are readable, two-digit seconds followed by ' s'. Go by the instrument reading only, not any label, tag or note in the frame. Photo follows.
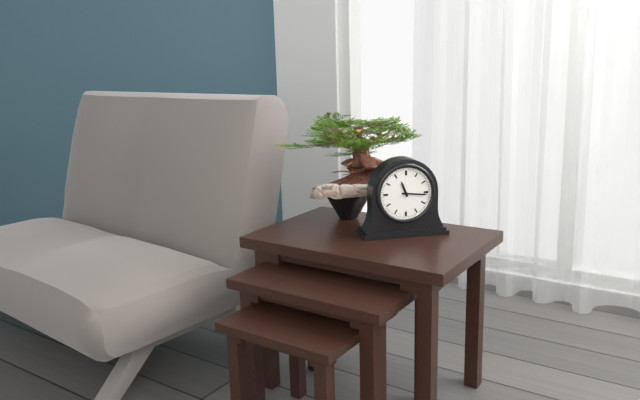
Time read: 11 h 16 min
